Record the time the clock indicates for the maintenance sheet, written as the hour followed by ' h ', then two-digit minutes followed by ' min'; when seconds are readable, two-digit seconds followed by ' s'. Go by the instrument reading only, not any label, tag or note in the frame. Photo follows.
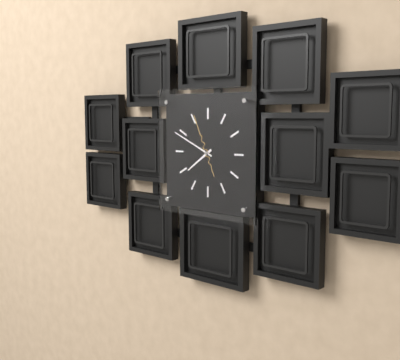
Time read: 7 h 49 min
